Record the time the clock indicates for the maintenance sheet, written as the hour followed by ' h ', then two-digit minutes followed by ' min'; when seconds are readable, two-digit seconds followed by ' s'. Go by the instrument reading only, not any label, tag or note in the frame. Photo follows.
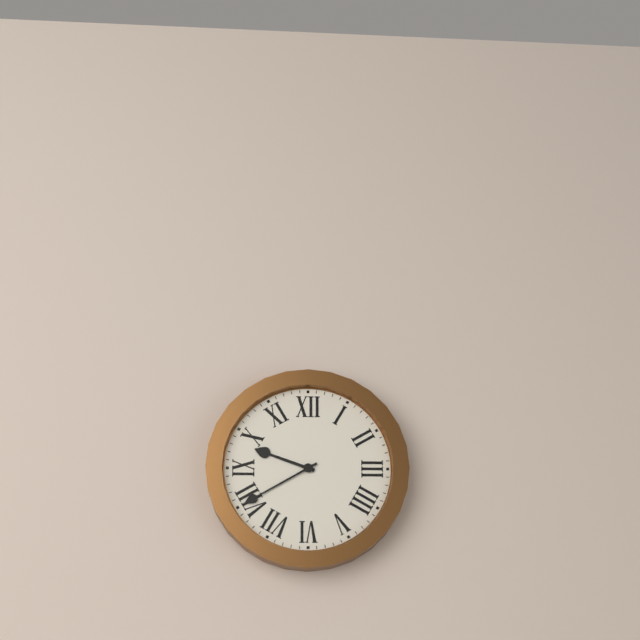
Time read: 9 h 40 min
